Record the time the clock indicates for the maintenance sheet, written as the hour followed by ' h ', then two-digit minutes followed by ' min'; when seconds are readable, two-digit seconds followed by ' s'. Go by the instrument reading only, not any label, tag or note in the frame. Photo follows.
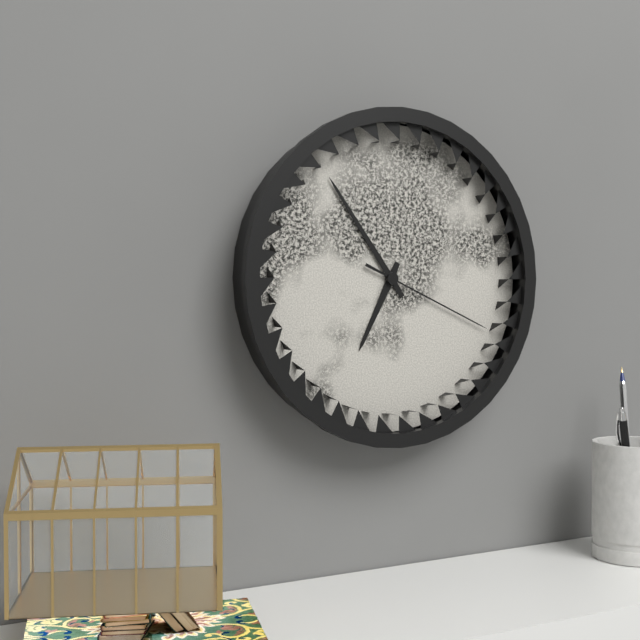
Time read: 6 h 54 min 19 s
